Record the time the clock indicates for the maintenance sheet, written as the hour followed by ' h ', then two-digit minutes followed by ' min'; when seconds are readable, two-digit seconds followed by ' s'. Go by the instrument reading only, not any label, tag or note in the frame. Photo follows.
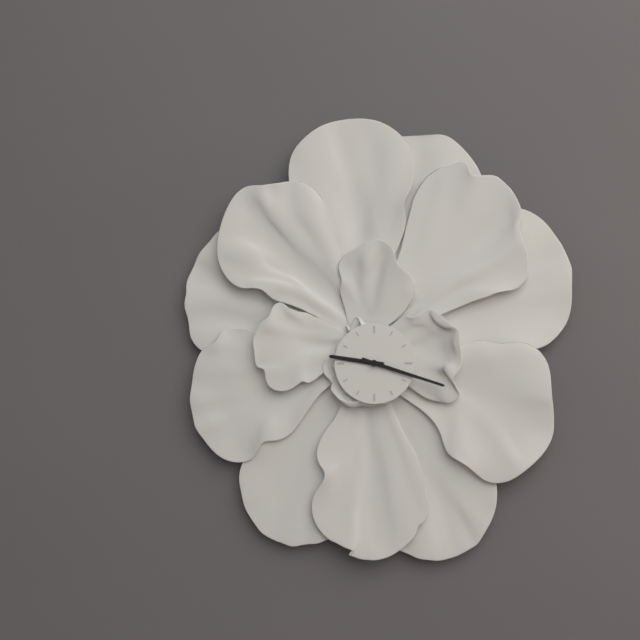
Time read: 9 h 18 min
